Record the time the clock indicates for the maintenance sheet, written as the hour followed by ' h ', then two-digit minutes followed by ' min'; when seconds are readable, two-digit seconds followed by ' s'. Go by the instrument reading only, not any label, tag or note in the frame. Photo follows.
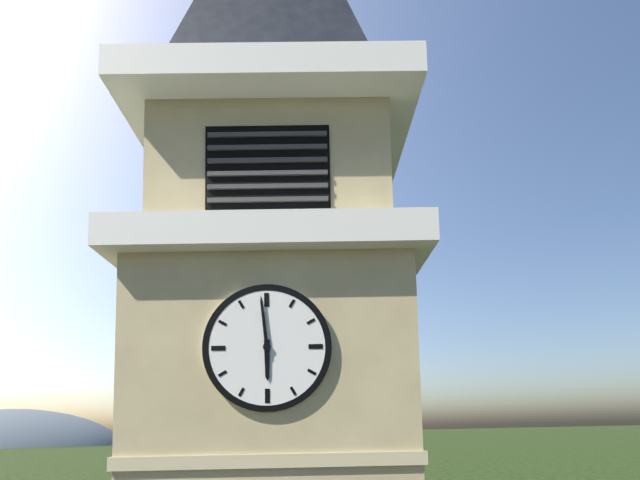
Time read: 5 h 59 min
